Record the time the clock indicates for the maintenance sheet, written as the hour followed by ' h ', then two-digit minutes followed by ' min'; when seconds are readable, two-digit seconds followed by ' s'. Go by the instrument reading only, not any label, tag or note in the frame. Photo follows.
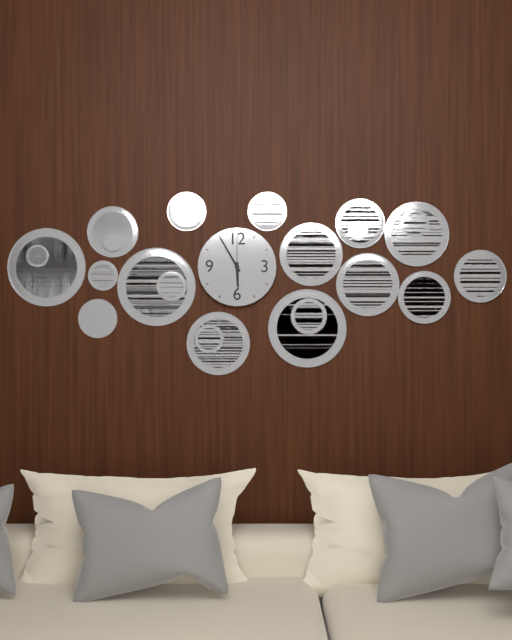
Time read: 5 h 55 min
